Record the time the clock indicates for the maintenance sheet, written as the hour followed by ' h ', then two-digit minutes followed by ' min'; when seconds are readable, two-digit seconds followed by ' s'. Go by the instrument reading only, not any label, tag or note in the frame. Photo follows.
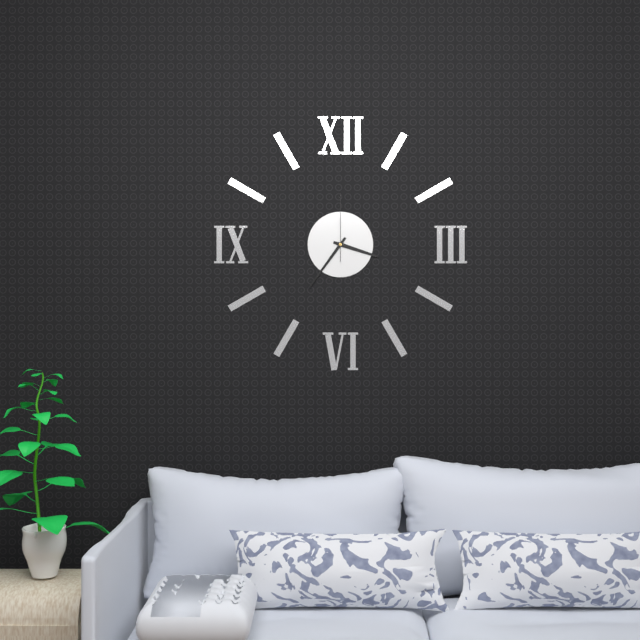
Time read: 3 h 36 min 00 s
